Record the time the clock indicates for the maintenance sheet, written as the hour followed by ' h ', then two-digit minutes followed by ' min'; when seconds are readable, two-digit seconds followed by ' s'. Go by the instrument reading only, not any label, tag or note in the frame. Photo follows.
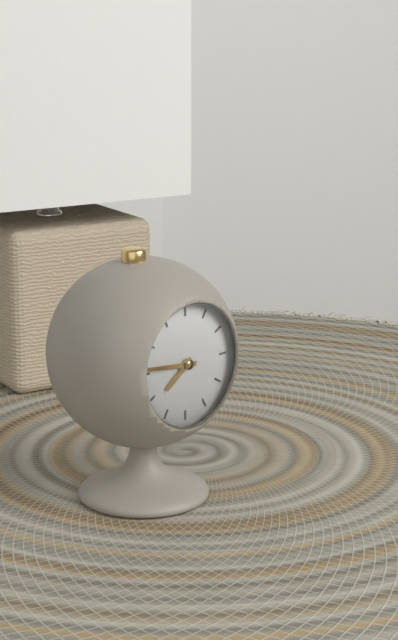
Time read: 7 h 46 min
